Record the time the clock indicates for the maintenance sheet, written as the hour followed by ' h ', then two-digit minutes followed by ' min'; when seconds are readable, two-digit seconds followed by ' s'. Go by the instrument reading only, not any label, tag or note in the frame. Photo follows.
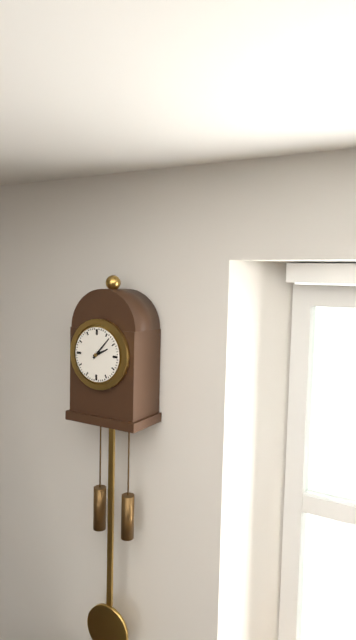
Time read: 2 h 07 min
